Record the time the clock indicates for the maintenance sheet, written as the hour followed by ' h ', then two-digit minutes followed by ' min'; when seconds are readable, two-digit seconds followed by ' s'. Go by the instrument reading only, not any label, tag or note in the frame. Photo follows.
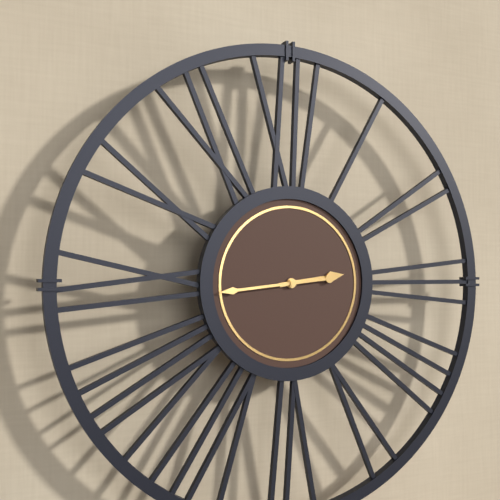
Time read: 2 h 44 min
